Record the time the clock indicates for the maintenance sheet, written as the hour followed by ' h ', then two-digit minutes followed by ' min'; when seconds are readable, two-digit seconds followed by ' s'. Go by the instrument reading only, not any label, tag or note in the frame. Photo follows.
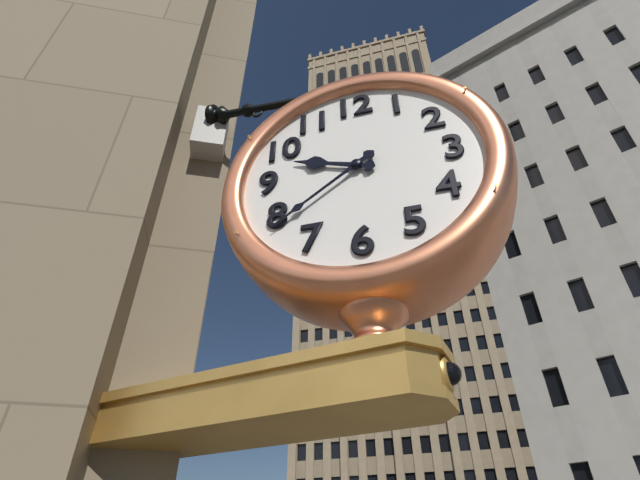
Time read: 9 h 39 min
